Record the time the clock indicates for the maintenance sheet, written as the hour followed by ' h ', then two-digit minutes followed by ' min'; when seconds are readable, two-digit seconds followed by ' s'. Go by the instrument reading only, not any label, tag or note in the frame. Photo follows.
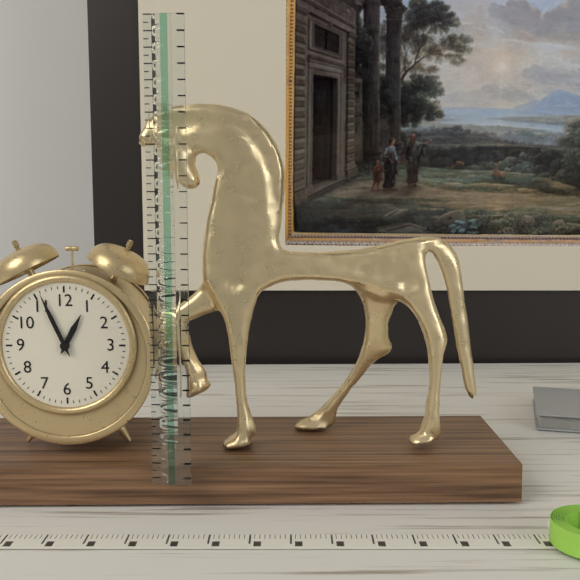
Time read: 12 h 56 min
